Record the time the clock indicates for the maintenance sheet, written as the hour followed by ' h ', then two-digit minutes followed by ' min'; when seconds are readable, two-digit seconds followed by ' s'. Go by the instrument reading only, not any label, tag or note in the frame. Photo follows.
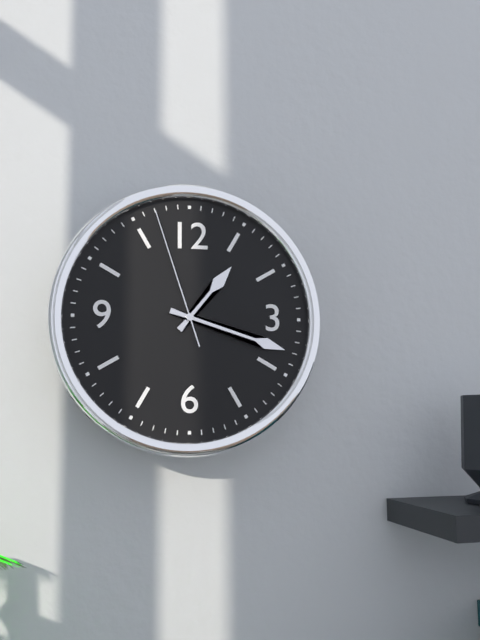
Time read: 1 h 18 min 57 s
